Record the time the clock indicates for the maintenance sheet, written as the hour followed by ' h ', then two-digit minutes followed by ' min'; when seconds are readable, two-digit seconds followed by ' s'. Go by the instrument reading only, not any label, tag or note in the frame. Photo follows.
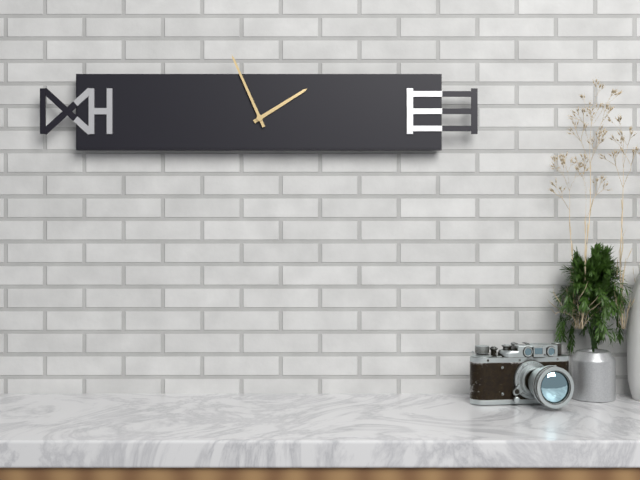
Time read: 1 h 56 min
